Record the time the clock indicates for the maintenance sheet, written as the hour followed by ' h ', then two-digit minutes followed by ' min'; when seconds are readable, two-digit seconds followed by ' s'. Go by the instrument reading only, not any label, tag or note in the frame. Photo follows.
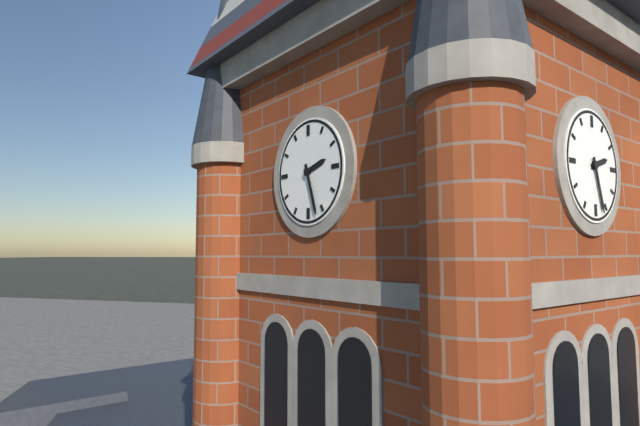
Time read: 2 h 27 min
